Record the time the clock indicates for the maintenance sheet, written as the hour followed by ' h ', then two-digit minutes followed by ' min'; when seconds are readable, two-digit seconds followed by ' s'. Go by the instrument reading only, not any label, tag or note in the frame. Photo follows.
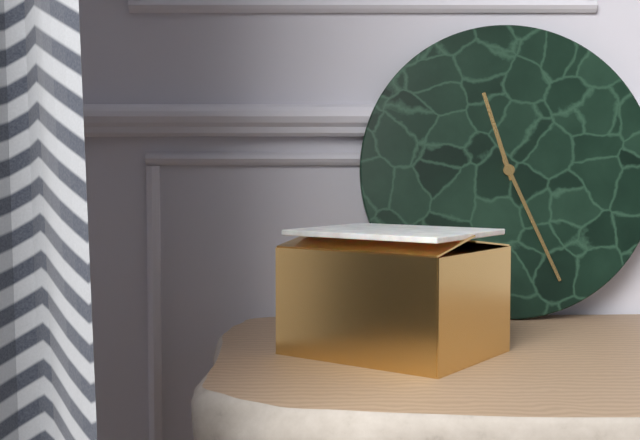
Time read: 11 h 26 min
